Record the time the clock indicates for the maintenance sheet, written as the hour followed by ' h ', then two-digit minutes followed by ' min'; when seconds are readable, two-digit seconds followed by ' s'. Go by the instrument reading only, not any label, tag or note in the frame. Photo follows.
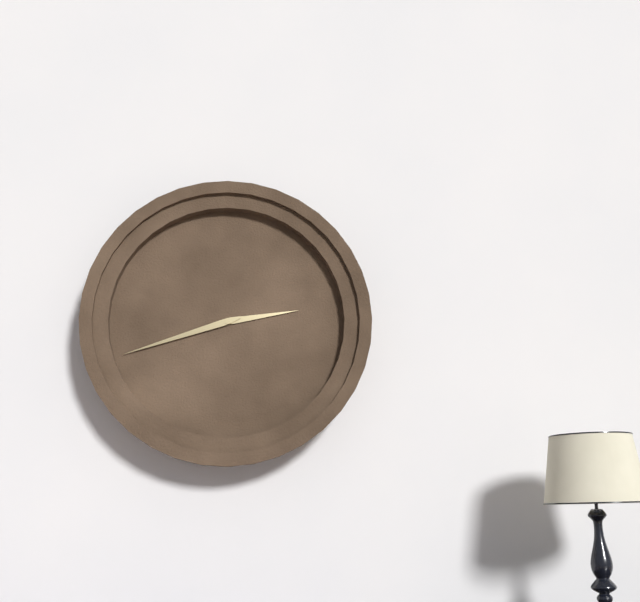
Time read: 2 h 42 min
